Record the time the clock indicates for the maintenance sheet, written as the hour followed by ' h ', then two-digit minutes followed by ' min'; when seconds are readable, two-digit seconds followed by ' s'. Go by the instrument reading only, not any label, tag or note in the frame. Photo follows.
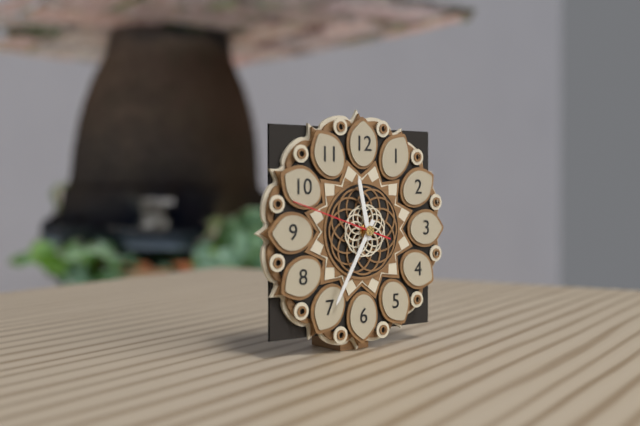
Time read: 11 h 35 min 48 s
